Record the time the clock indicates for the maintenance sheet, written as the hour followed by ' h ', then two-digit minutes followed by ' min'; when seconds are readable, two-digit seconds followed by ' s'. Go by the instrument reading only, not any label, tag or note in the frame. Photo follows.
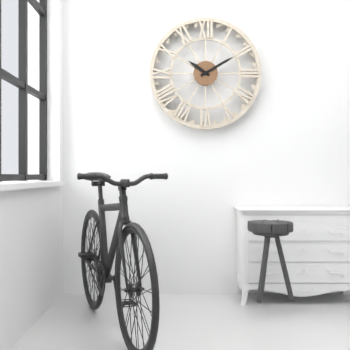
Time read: 10 h 10 min
